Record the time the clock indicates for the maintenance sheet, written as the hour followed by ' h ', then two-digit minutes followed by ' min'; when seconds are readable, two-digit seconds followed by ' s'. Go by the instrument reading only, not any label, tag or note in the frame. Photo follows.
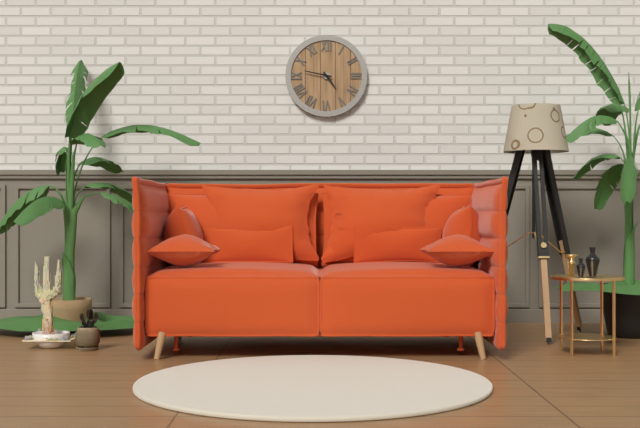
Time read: 4 h 47 min
